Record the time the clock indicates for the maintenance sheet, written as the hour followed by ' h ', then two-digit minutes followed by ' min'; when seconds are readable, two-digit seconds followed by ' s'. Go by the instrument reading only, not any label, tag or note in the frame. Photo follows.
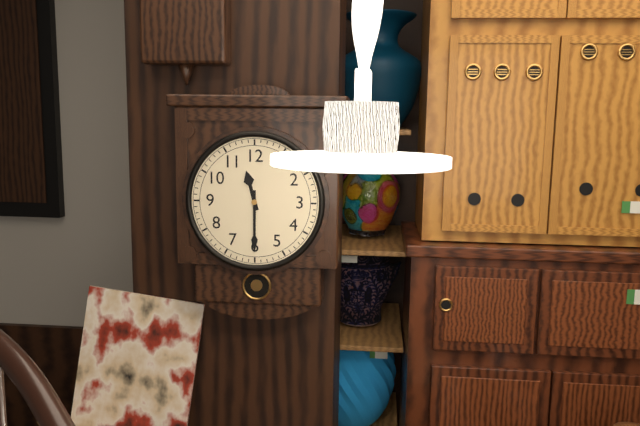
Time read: 11 h 30 min
